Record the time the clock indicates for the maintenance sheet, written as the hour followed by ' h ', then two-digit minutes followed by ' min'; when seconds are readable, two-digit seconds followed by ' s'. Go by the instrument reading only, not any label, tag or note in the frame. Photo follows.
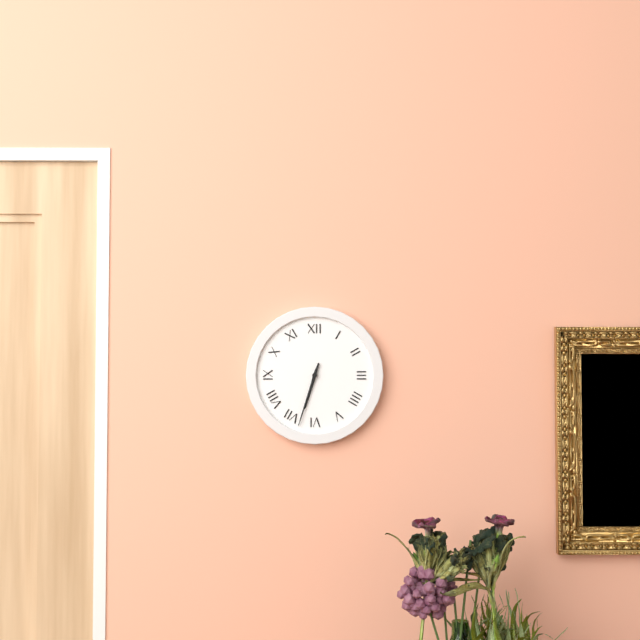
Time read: 6 h 33 min
